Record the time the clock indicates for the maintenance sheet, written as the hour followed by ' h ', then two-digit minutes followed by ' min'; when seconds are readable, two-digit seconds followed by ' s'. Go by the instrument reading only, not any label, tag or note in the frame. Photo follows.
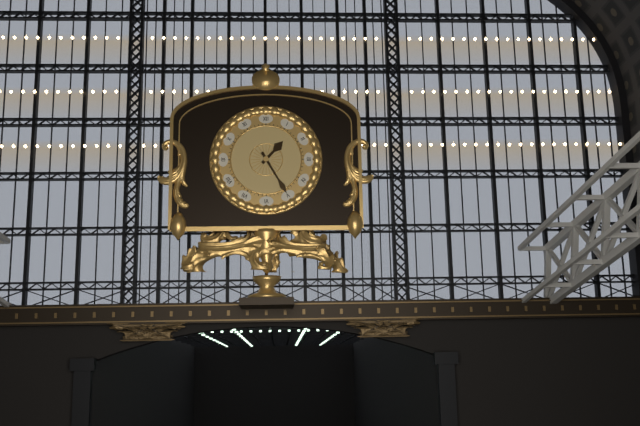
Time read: 1 h 25 min
